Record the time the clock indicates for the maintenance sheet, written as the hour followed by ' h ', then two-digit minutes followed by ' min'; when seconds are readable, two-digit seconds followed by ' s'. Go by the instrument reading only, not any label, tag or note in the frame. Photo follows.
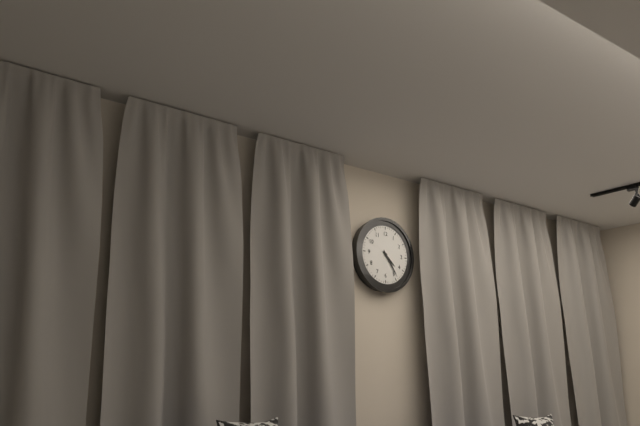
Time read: 4 h 24 min
